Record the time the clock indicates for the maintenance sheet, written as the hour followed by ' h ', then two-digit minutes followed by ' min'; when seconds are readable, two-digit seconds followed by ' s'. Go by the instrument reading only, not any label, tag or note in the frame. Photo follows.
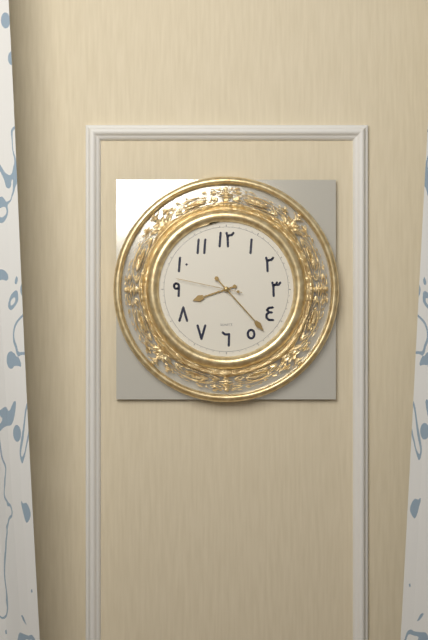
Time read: 8 h 23 min 47 s
